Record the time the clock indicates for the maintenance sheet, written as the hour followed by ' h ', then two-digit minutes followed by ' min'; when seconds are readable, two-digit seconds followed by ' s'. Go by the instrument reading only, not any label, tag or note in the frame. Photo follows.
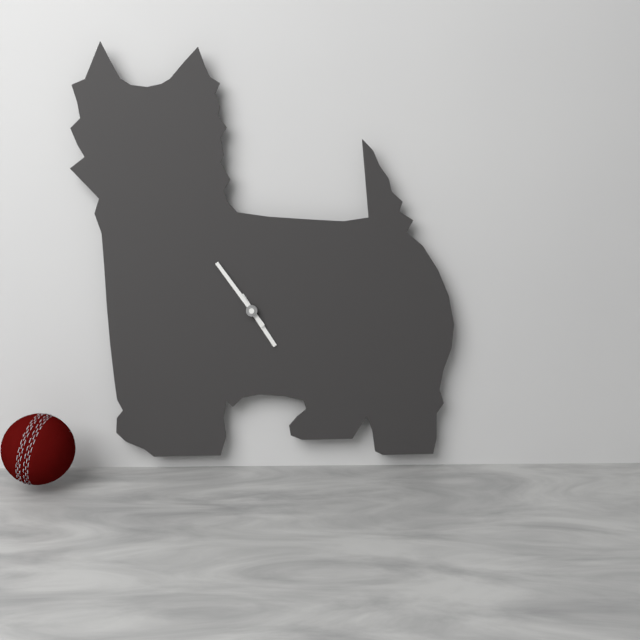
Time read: 4 h 54 min
